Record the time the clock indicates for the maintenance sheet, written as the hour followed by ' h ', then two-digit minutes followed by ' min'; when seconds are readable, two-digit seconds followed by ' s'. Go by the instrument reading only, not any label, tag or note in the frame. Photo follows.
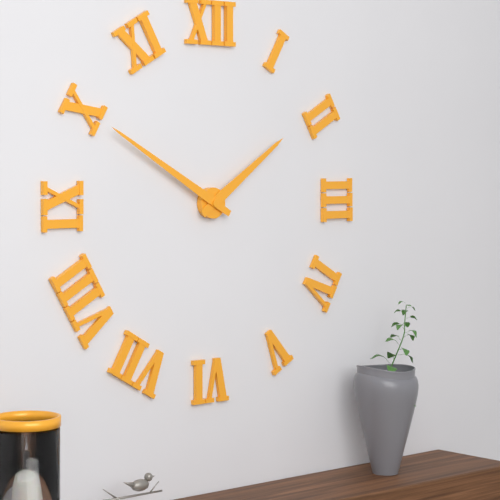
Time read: 1 h 50 min
